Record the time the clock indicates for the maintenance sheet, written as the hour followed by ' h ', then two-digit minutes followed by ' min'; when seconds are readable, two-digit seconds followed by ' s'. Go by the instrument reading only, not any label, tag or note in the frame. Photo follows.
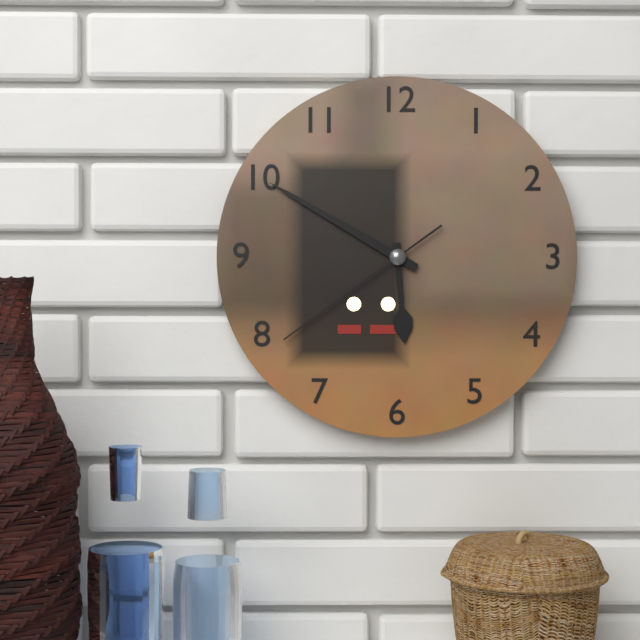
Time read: 5 h 50 min 39 s
